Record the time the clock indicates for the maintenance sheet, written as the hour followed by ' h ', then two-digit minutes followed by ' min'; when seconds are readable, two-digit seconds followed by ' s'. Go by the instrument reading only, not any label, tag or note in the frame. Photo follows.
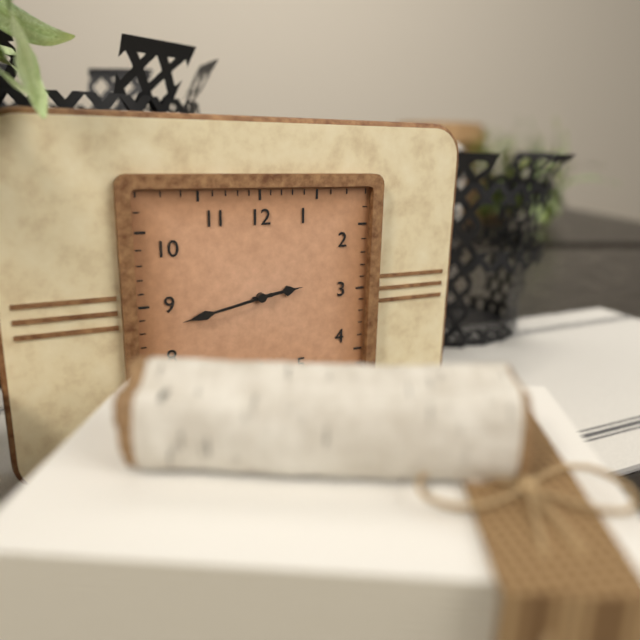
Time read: 2 h 43 min
